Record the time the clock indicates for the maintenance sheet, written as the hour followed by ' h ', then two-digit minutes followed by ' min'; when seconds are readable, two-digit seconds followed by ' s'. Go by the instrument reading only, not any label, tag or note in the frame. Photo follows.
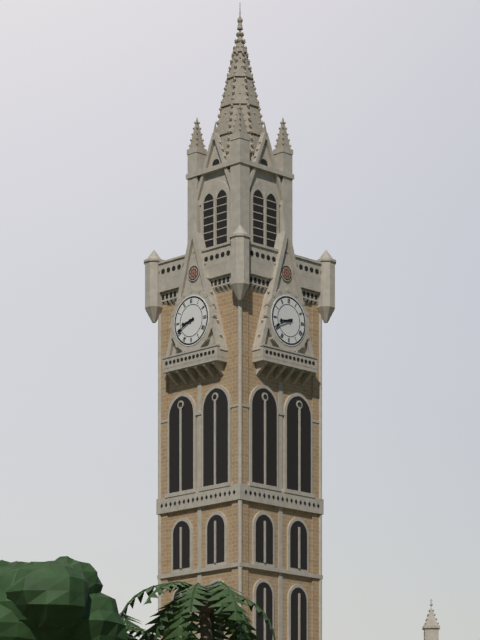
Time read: 8 h 41 min
